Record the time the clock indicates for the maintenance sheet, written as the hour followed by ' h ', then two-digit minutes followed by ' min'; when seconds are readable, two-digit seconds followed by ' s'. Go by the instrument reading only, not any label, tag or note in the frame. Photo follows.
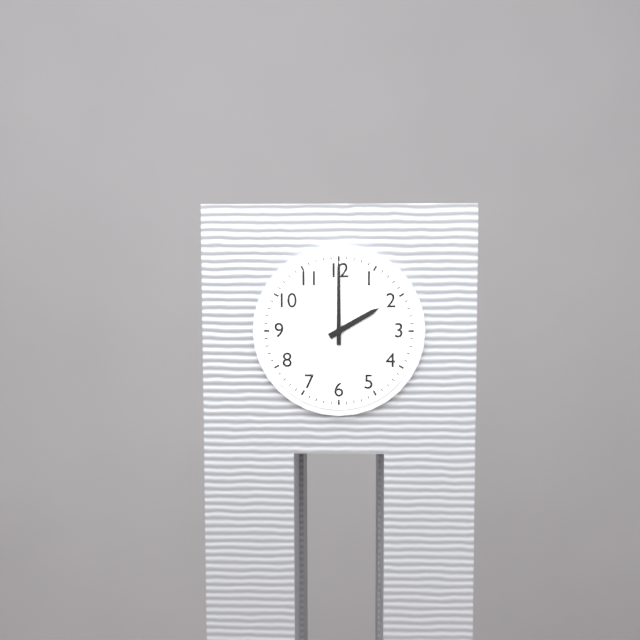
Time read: 2 h 00 min
